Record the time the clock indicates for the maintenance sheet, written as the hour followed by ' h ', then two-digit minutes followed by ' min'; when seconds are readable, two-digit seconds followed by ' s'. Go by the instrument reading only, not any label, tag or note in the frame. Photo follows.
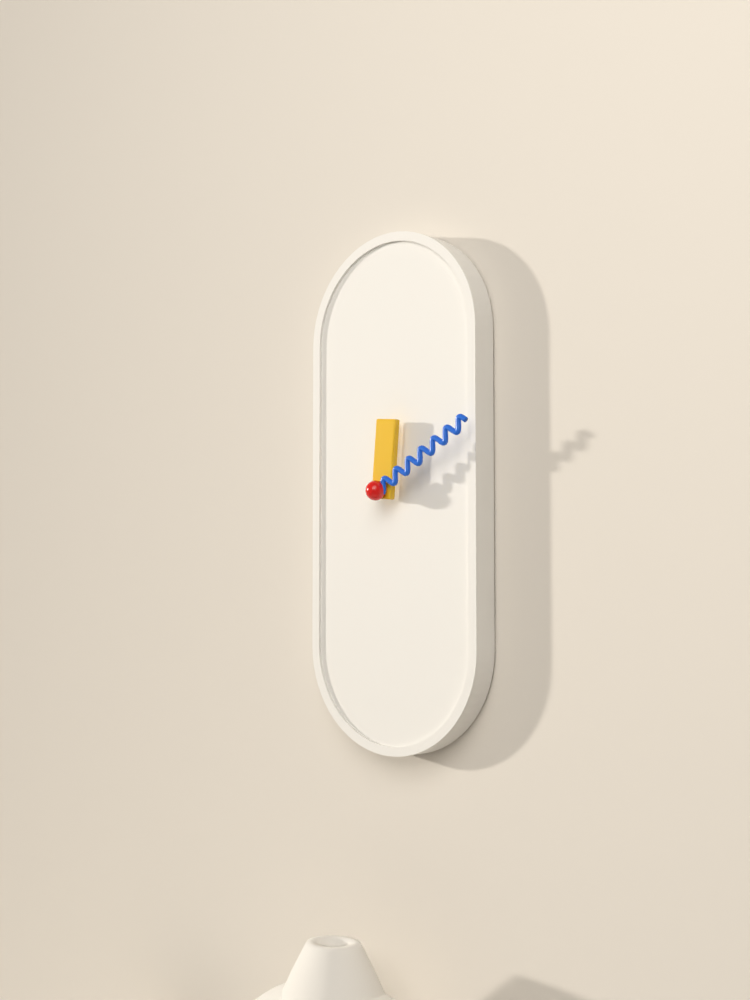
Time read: 12 h 10 min
